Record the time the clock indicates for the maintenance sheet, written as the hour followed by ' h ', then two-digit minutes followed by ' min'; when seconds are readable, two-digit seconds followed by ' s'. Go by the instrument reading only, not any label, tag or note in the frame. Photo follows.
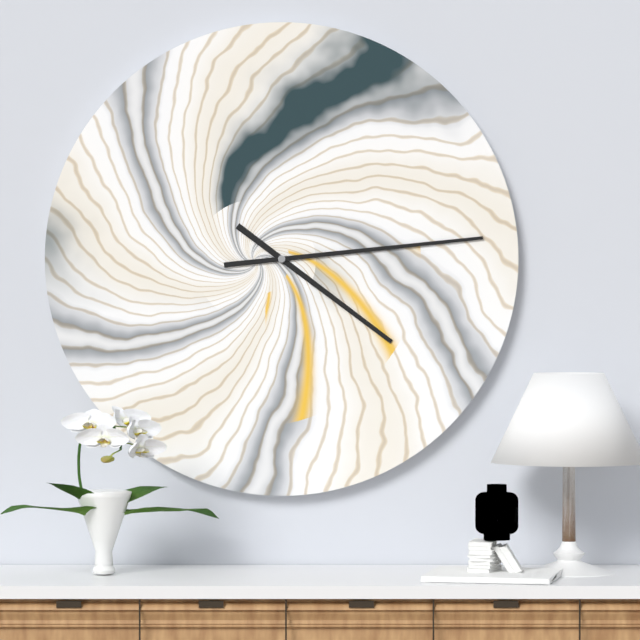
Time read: 4 h 14 min
